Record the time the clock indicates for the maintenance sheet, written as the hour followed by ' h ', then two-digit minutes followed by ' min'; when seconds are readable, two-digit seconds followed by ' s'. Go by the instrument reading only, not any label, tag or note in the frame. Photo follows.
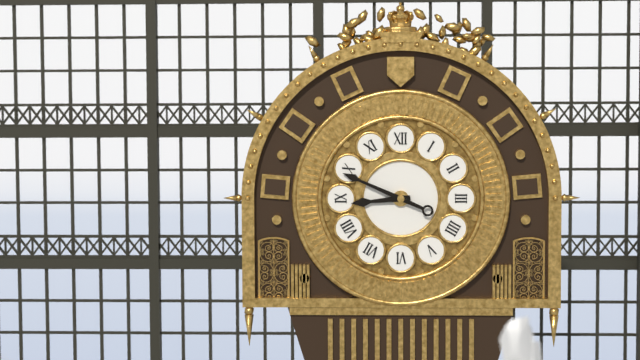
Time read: 8 h 49 min
